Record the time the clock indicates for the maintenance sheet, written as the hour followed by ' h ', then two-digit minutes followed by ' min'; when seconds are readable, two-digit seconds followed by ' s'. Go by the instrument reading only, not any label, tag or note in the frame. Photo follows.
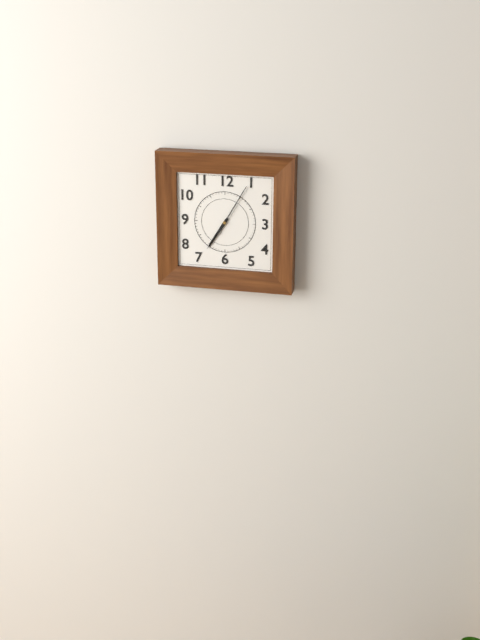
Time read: 7 h 05 min
